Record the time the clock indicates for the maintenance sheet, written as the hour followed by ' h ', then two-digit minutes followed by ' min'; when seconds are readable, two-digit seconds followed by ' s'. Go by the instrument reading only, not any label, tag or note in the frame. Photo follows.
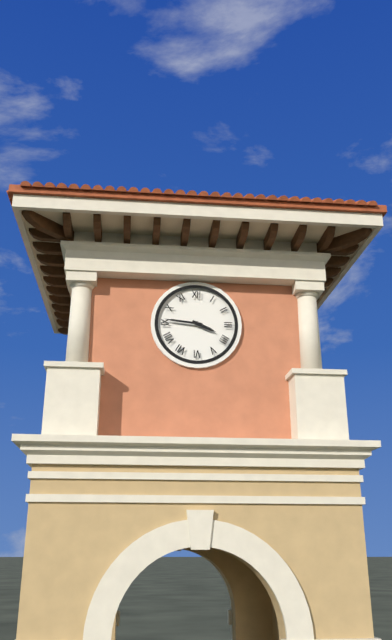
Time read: 3 h 46 min
